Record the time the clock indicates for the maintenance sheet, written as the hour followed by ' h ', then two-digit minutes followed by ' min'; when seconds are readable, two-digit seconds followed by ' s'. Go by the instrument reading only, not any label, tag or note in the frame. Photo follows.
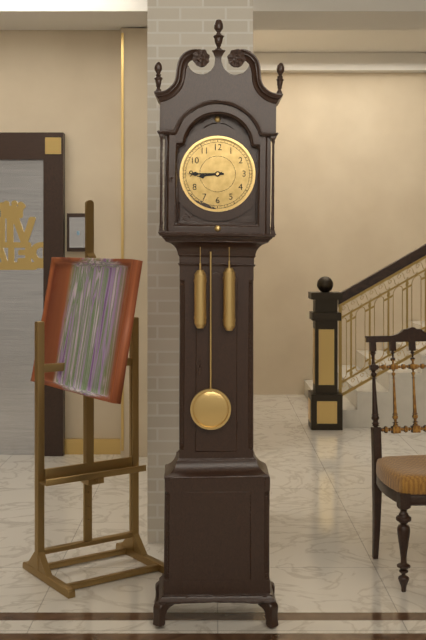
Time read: 8 h 45 min
